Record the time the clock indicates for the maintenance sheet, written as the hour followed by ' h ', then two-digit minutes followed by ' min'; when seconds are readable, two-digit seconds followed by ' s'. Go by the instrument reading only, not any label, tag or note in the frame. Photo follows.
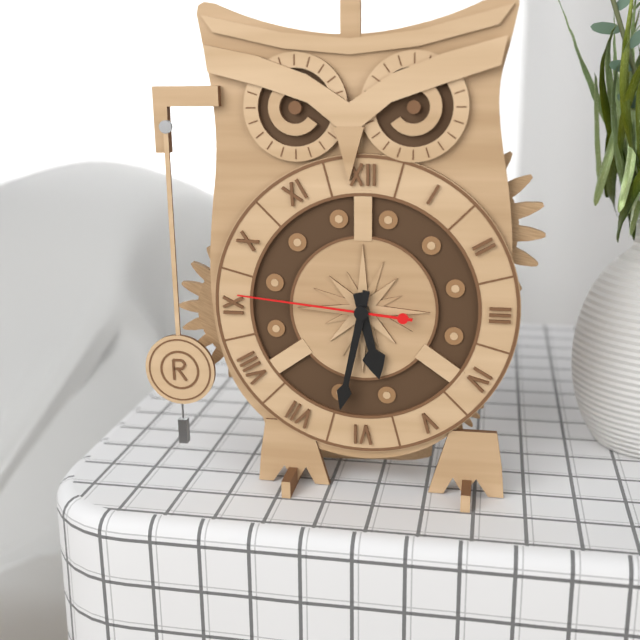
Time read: 5 h 32 min 46 s
